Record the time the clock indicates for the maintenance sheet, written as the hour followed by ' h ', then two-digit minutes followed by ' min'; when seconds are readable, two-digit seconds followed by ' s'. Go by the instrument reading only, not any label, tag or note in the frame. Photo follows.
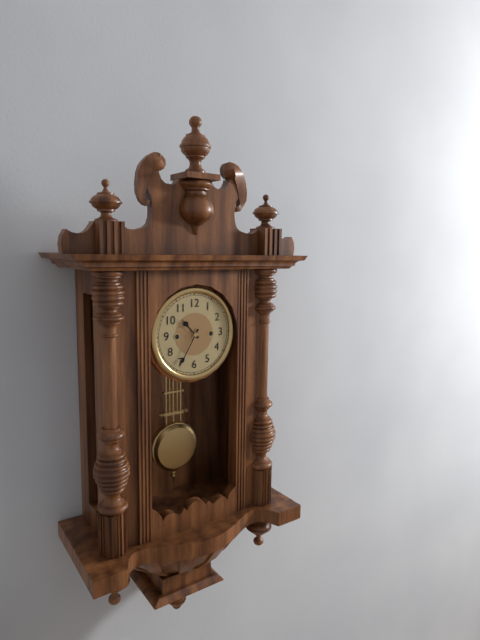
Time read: 10 h 35 min
